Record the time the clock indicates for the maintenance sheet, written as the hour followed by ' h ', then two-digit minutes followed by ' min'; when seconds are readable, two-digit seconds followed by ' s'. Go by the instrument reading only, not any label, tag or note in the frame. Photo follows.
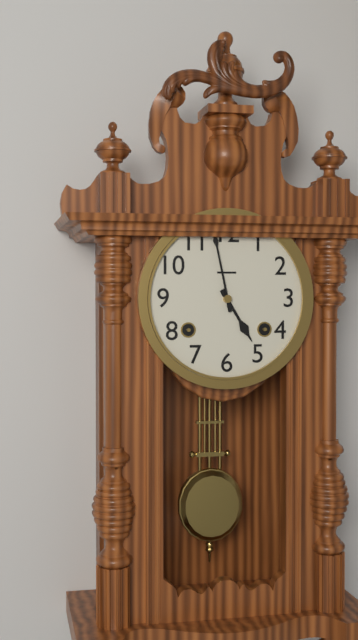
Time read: 4 h 58 min
